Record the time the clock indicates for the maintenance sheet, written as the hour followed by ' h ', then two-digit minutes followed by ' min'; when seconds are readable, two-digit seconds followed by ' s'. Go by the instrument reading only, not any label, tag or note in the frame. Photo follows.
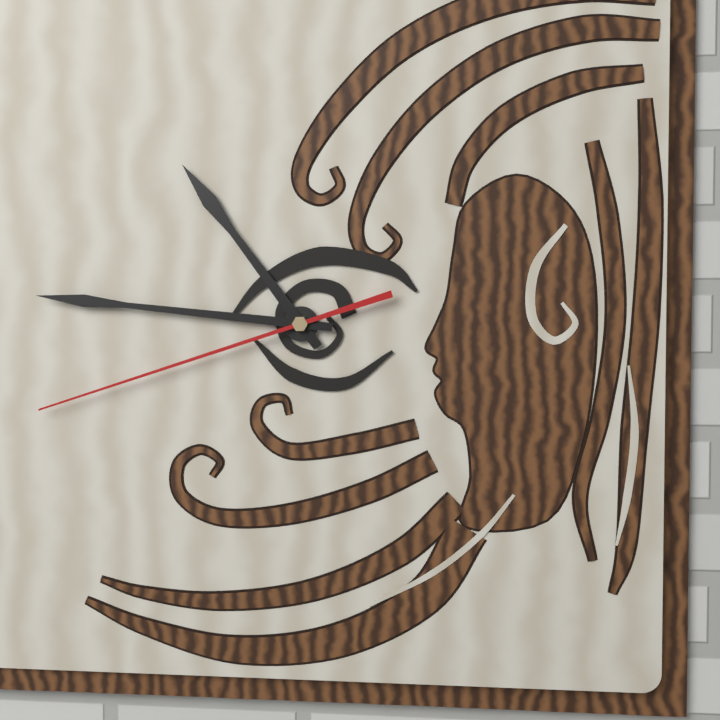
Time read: 10 h 46 min 42 s
